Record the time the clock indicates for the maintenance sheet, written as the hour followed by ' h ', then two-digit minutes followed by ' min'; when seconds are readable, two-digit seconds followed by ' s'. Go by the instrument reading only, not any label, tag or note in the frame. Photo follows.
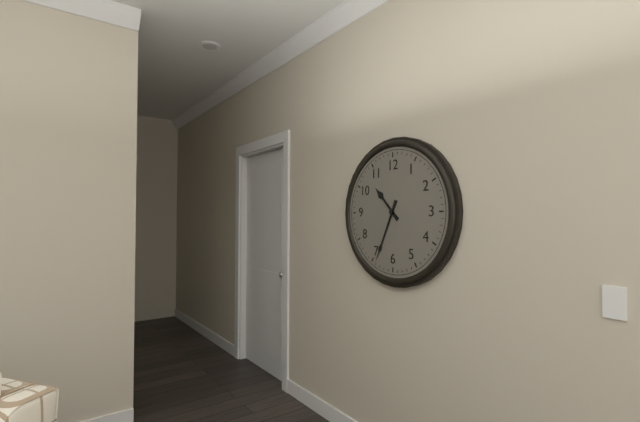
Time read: 10 h 34 min
